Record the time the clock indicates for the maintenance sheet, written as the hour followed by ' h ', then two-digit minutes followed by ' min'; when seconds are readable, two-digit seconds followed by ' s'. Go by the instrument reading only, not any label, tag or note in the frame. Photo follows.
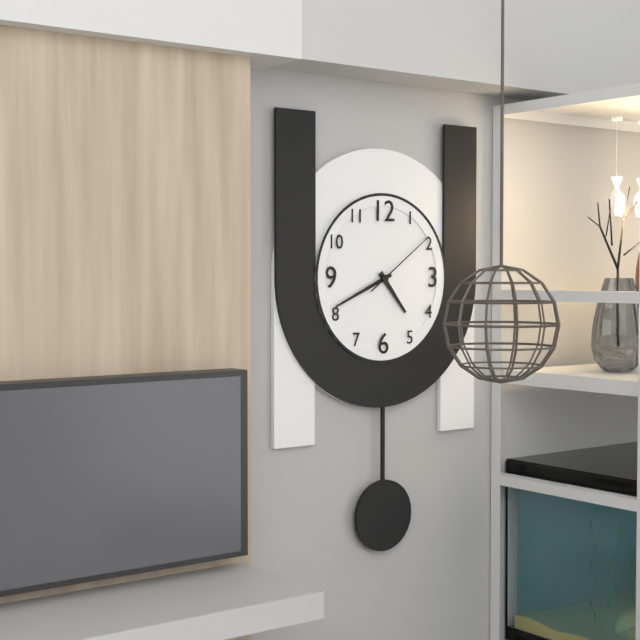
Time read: 4 h 41 min 09 s
